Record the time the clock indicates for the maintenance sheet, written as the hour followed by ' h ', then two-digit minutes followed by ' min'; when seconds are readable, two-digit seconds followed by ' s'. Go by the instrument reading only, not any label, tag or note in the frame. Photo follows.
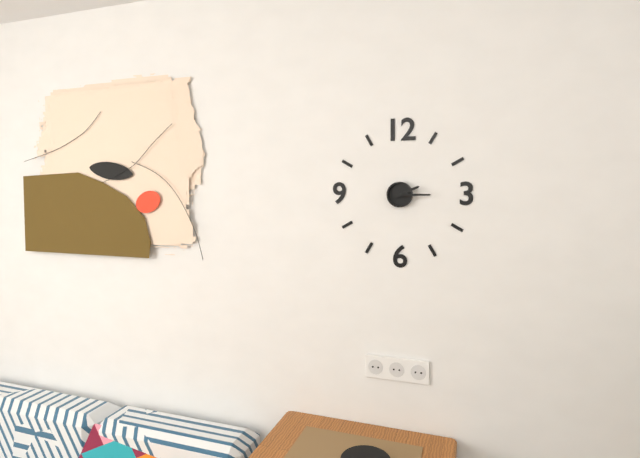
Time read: 2 h 15 min
